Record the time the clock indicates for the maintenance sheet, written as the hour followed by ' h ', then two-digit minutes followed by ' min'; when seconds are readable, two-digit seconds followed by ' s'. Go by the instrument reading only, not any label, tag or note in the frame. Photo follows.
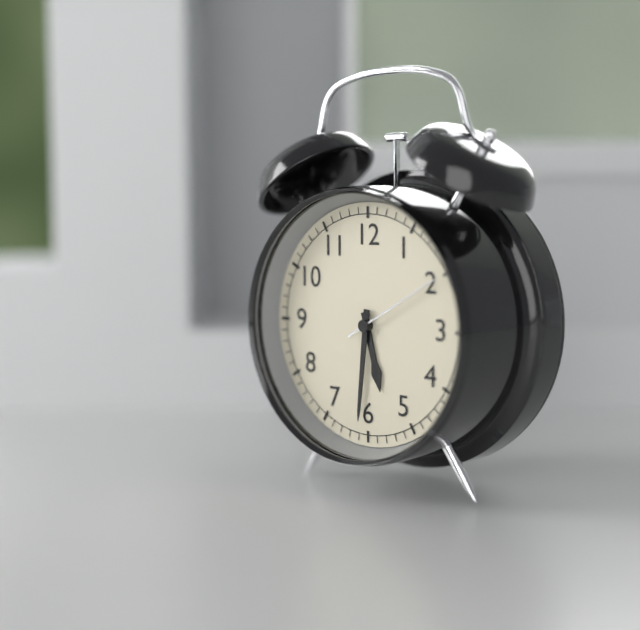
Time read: 5 h 31 min 10 s
